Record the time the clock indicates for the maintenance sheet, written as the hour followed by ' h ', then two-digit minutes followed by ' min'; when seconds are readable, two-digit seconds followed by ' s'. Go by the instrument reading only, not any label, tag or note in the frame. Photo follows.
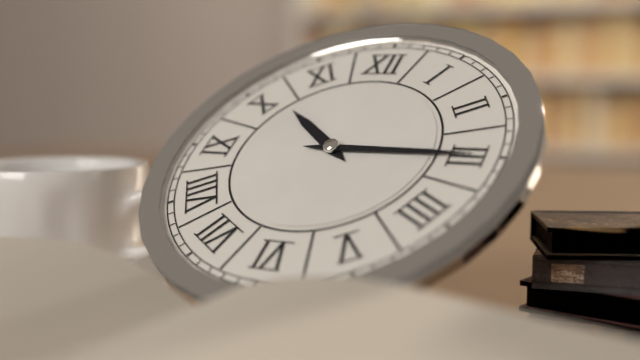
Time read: 10 h 15 min
